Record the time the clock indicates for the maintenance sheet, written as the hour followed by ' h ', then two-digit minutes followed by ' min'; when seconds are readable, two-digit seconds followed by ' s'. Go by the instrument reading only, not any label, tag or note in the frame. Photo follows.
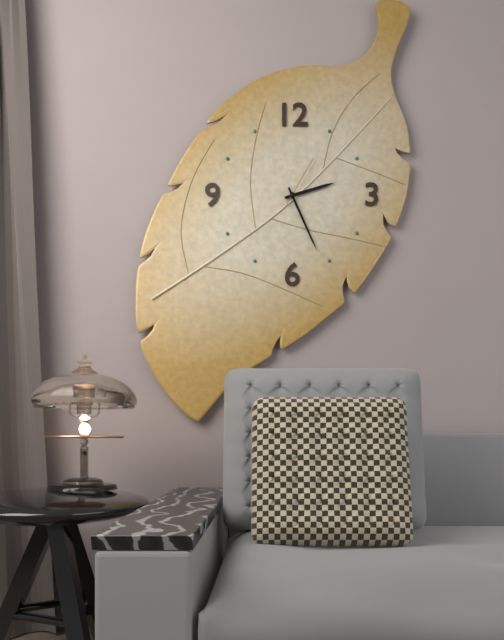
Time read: 2 h 26 min 05 s
